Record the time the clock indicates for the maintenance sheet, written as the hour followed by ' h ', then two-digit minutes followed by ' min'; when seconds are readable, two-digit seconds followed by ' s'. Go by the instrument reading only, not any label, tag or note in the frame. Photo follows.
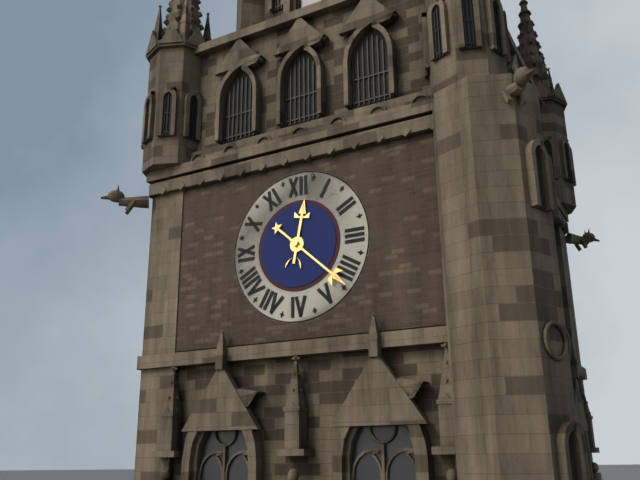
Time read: 12 h 22 min
